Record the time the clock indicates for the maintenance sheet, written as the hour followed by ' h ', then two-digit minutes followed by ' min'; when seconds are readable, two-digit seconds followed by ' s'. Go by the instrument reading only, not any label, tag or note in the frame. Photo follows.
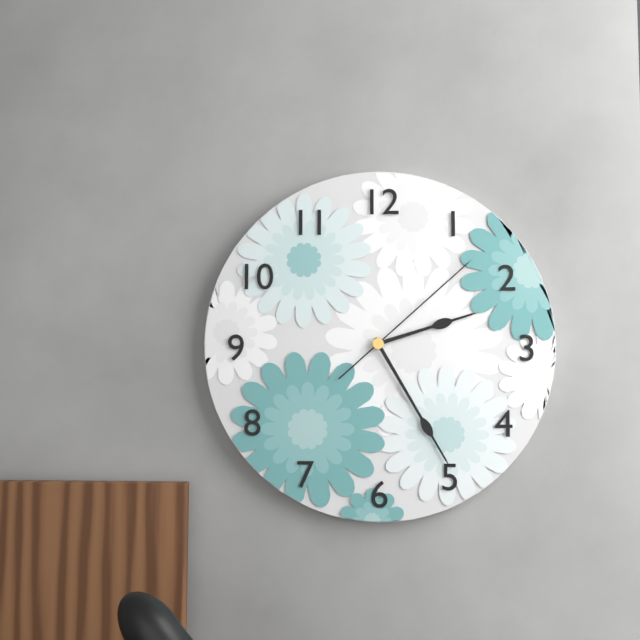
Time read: 2 h 25 min 08 s
